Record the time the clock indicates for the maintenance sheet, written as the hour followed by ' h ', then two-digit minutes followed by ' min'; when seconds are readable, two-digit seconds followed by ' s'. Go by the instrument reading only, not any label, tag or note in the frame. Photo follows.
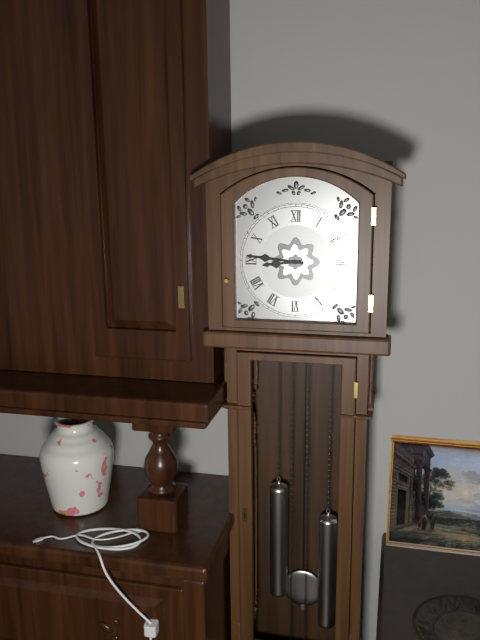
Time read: 8 h 46 min
